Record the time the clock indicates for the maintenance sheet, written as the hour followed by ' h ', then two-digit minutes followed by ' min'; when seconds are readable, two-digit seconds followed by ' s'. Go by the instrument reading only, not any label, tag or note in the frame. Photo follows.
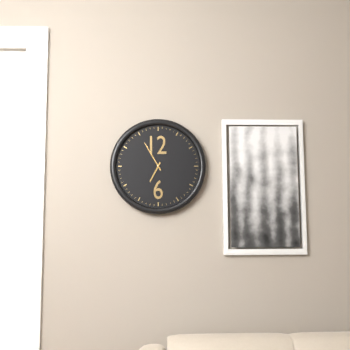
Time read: 6 h 55 min
